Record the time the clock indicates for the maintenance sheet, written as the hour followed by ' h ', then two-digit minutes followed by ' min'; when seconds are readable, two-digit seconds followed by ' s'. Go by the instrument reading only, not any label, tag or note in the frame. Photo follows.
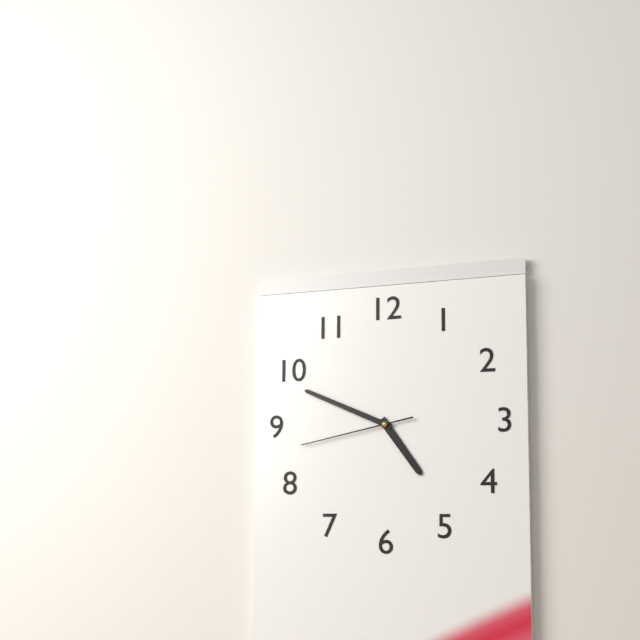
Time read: 4 h 49 min 43 s
